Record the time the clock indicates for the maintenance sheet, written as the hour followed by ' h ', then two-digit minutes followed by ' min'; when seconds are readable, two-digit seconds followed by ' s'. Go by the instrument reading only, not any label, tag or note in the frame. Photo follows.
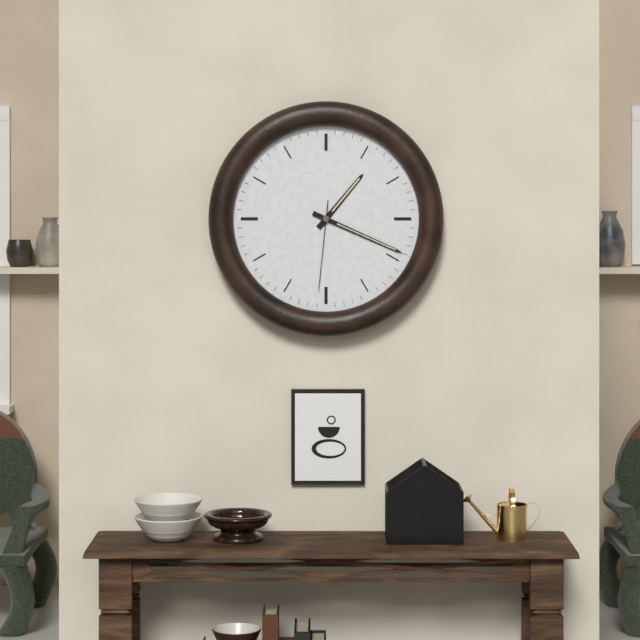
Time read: 1 h 19 min 31 s
